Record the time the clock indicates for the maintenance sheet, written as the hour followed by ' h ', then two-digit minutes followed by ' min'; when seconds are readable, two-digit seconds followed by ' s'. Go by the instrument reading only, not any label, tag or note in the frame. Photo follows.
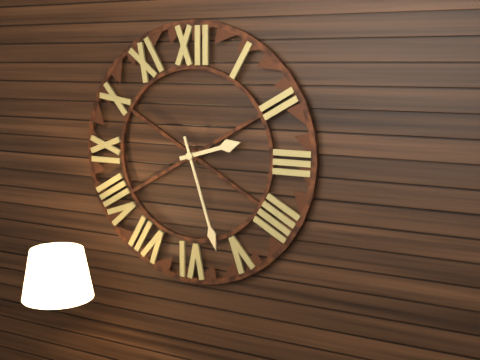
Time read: 2 h 27 min
